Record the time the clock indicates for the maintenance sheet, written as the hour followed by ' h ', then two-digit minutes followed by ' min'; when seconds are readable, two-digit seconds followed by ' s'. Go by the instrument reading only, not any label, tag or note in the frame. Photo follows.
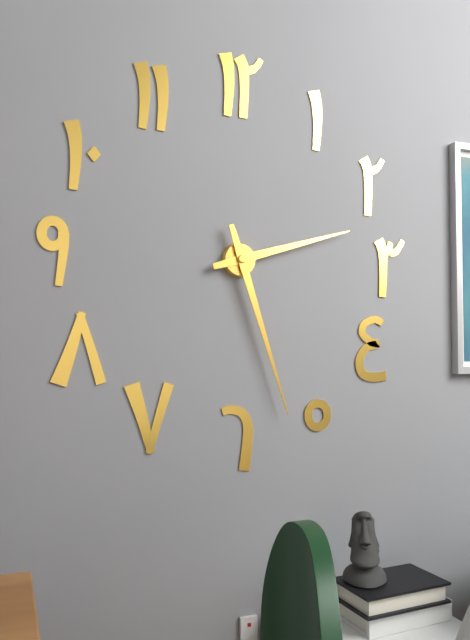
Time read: 2 h 27 min
